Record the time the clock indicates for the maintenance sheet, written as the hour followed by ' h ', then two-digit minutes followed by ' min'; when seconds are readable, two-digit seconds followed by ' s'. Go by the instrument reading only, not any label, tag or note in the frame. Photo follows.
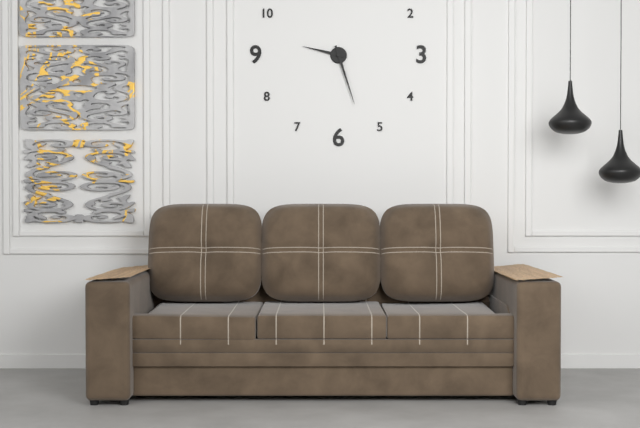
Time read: 9 h 27 min
